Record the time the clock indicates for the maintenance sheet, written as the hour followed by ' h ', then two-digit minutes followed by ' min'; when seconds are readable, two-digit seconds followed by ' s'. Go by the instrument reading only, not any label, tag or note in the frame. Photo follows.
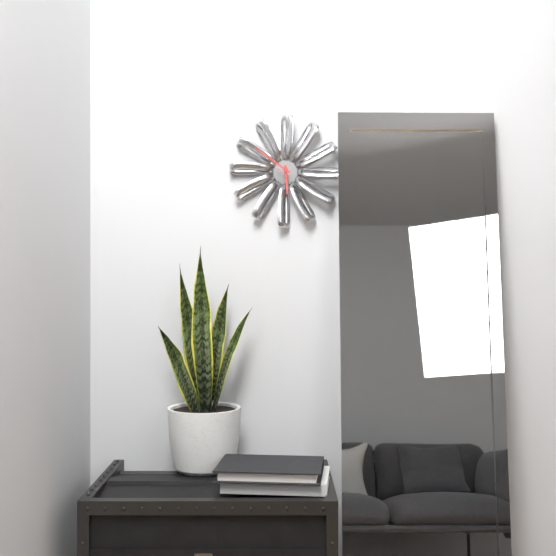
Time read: 5 h 51 min
